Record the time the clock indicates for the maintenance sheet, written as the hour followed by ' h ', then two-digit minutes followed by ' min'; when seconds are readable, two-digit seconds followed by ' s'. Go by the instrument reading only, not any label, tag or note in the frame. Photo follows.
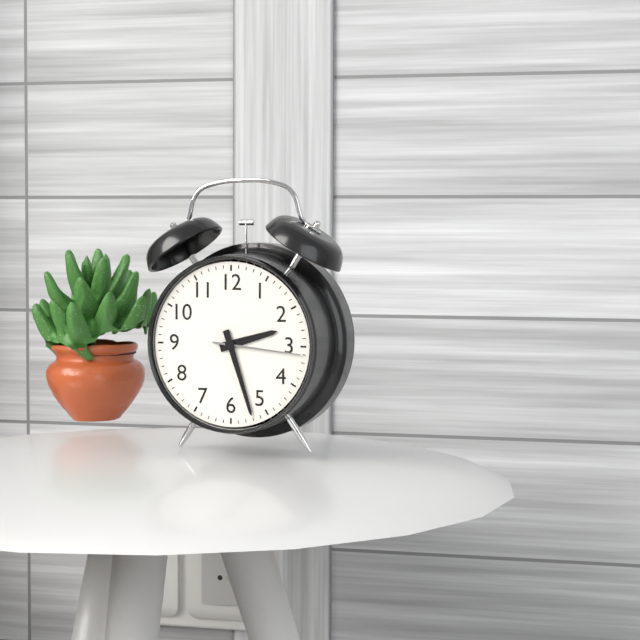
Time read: 2 h 27 min 16 s
